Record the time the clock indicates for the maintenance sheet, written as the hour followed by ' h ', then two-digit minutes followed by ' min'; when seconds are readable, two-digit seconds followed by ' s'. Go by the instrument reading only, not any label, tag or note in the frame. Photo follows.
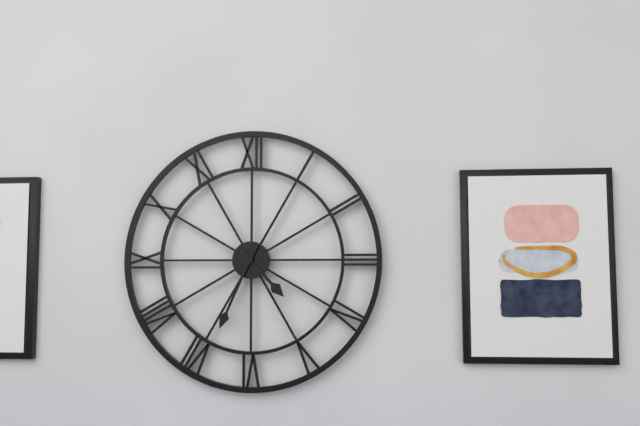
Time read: 4 h 34 min
